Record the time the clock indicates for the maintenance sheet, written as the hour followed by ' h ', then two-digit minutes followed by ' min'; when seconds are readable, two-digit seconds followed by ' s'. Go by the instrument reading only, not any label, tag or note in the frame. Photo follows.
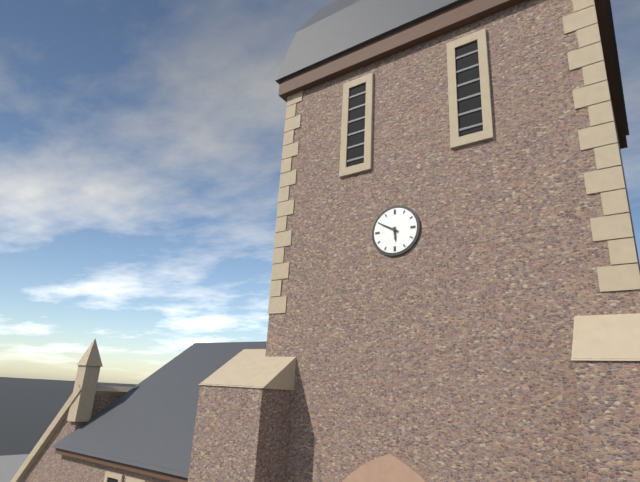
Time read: 5 h 50 min
